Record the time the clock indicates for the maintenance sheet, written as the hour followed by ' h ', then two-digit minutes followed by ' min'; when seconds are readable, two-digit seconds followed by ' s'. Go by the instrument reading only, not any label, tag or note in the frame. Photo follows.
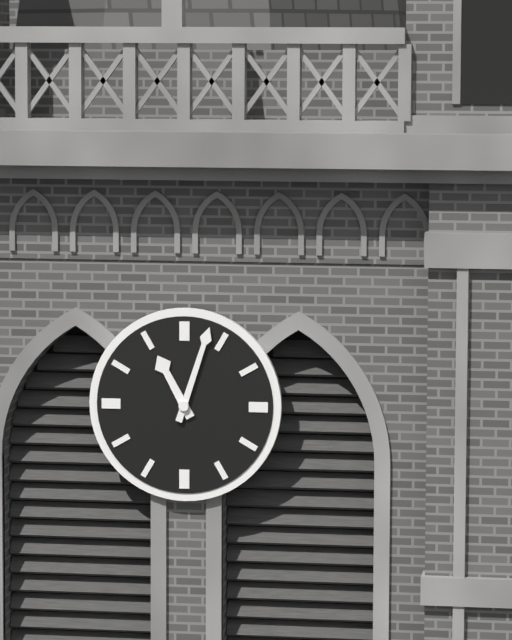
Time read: 11 h 03 min
